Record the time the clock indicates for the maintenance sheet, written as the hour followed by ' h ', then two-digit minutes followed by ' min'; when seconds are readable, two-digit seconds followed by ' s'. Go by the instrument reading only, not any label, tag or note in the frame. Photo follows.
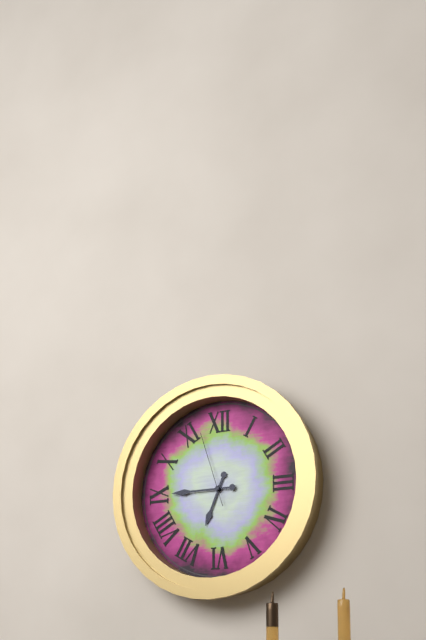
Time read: 6 h 45 min 57 s
